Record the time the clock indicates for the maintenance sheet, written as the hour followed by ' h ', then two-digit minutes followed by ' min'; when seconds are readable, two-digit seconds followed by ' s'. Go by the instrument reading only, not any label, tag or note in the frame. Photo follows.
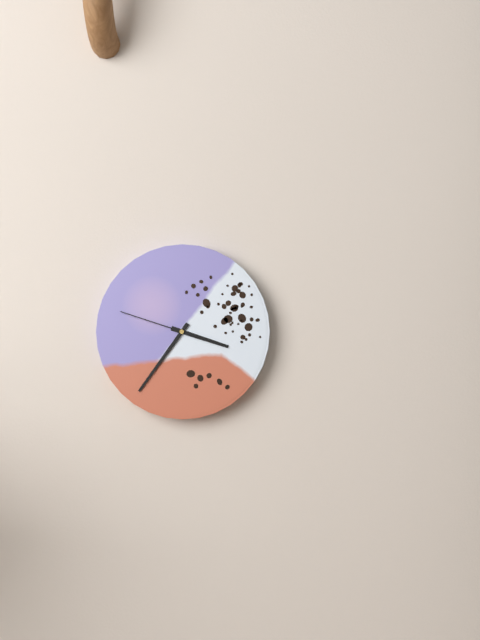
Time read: 3 h 36 min 48 s
